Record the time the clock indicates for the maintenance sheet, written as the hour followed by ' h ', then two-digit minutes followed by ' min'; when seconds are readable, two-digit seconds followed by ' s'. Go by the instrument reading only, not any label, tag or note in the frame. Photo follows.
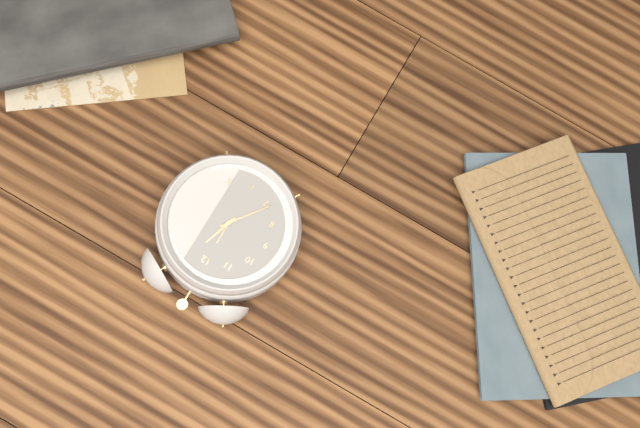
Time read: 12 h 36 min
